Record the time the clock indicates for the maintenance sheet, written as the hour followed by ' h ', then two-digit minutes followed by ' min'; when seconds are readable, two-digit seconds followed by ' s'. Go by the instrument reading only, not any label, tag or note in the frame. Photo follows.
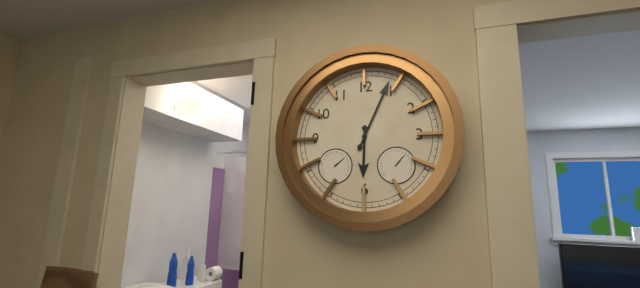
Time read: 6 h 04 min
